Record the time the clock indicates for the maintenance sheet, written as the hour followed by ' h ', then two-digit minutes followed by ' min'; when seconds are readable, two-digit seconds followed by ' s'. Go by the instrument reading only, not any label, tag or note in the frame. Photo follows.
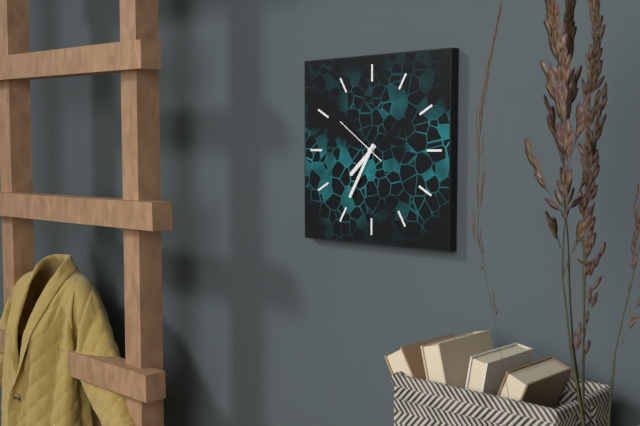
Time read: 7 h 35 min 51 s
